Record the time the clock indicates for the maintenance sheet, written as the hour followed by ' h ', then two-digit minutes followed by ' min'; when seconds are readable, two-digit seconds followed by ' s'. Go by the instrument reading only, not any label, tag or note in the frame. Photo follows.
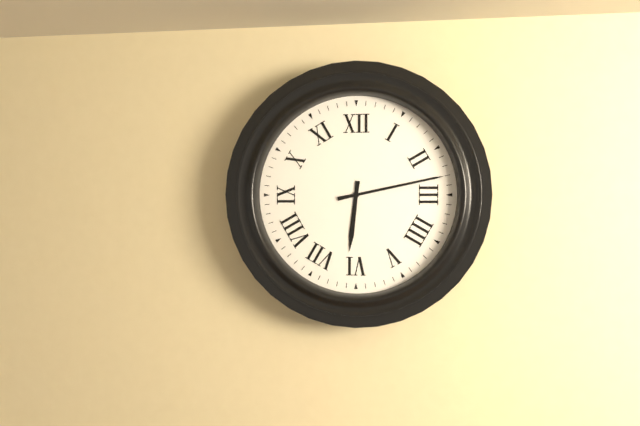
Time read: 6 h 13 min
